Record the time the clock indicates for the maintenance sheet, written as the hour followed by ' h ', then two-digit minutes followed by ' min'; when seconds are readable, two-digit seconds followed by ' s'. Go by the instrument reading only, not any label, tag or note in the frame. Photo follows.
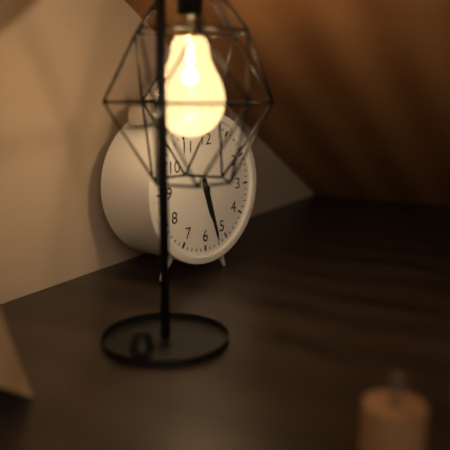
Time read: 5 h 27 min
